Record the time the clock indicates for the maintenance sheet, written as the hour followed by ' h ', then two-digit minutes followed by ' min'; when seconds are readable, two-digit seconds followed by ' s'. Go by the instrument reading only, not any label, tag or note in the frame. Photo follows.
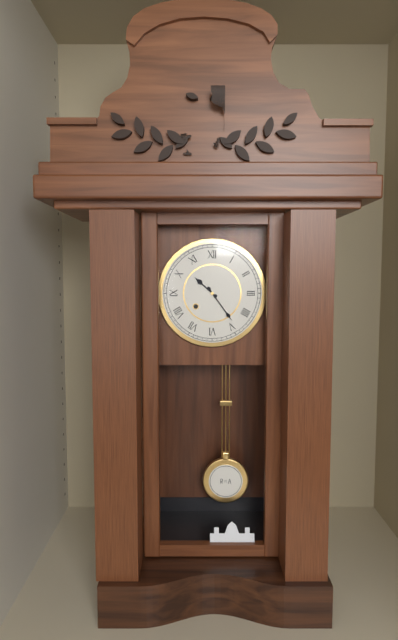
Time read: 10 h 24 min
